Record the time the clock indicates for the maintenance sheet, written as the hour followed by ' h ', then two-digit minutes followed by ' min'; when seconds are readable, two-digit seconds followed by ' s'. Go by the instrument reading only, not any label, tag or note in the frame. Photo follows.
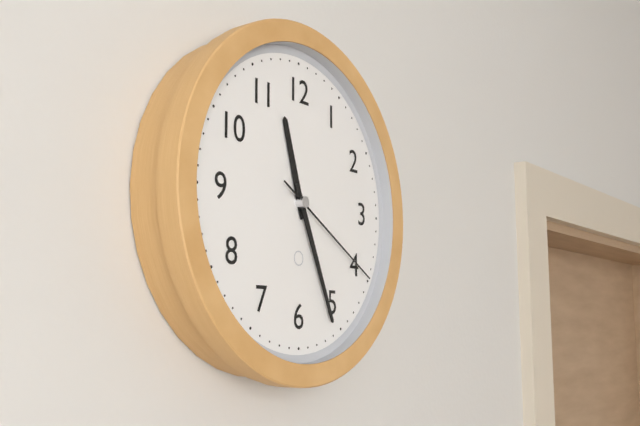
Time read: 11 h 26 min 20 s
